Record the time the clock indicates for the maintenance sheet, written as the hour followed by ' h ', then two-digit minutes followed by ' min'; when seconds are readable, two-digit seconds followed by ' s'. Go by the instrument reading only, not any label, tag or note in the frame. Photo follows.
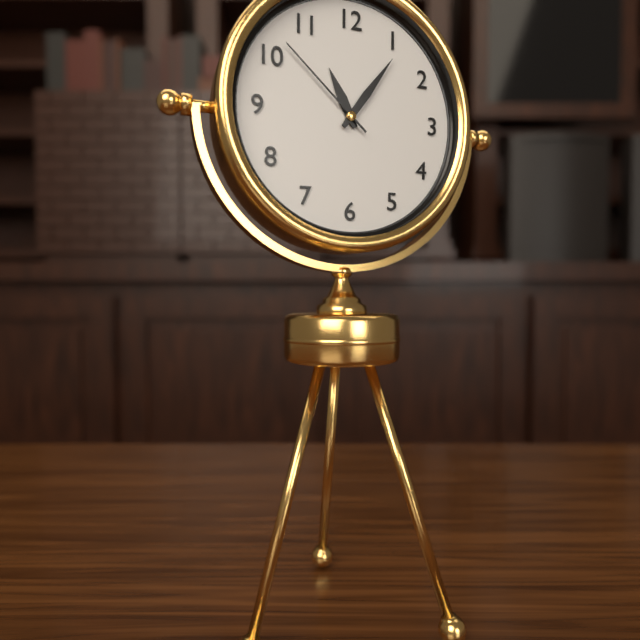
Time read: 11 h 06 min 52 s
